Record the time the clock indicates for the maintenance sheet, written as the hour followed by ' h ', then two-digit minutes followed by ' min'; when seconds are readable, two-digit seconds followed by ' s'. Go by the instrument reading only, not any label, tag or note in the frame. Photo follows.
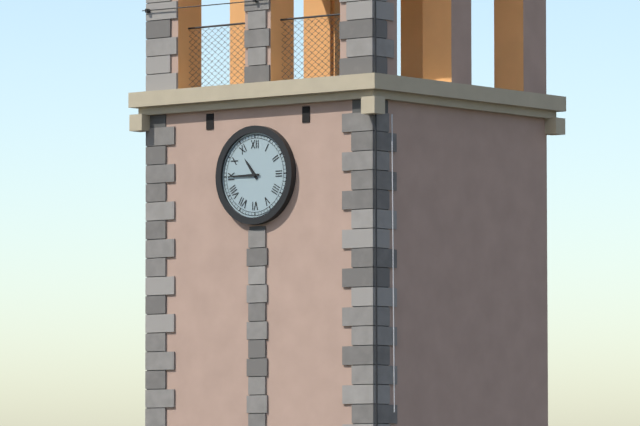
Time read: 10 h 45 min
